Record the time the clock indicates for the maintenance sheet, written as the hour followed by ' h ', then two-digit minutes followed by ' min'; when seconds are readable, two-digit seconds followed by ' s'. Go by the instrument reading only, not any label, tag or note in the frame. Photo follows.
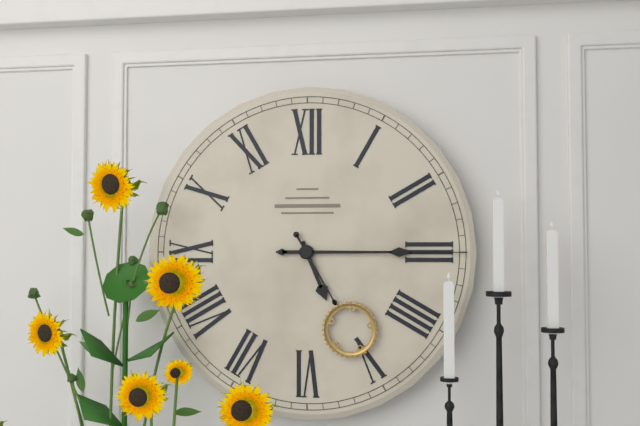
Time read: 5 h 15 min 25 s
